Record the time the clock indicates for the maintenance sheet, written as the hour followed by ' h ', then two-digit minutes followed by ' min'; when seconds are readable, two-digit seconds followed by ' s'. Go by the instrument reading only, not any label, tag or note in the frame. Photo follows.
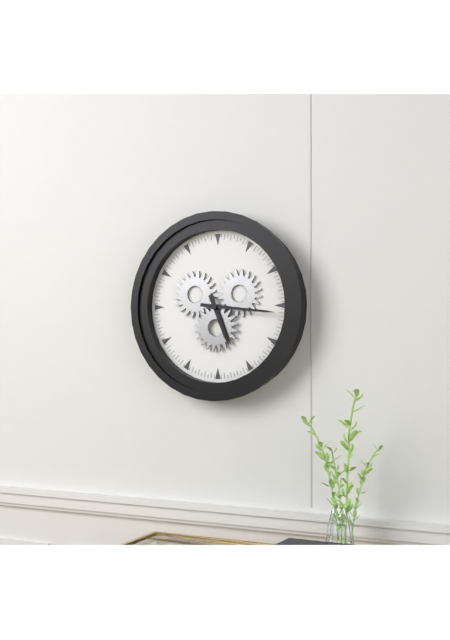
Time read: 5 h 16 min
